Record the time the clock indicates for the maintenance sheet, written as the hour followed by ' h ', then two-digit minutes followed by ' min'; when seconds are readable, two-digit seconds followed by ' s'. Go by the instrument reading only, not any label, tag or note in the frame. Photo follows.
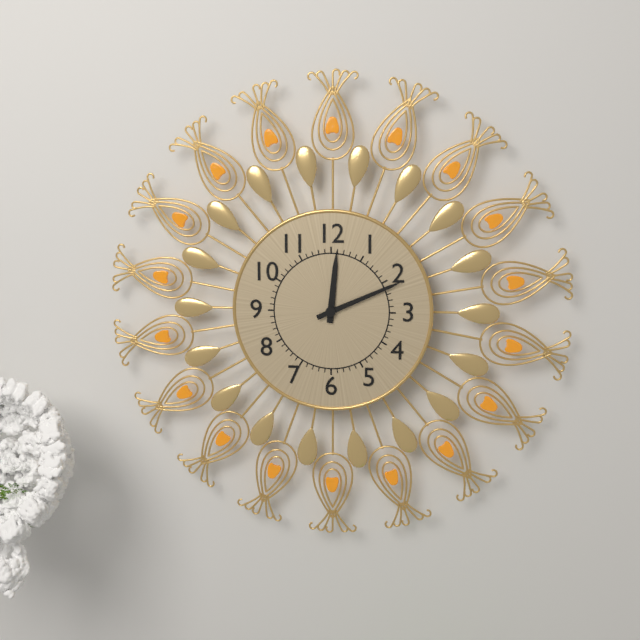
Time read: 12 h 11 min
